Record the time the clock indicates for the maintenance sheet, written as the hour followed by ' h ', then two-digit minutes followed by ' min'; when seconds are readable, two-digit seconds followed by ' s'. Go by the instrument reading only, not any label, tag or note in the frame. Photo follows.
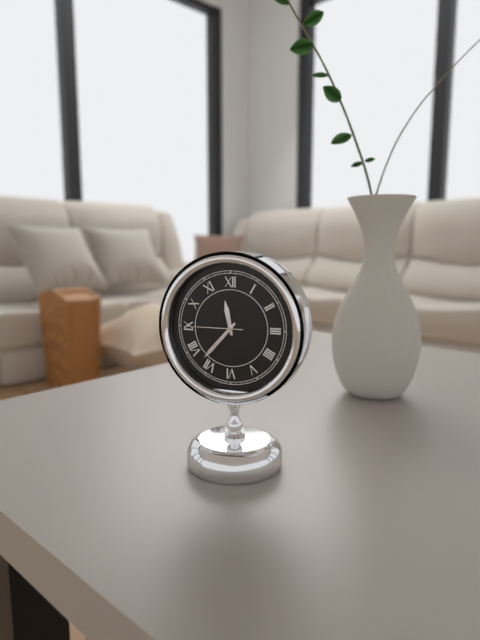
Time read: 11 h 37 min 45 s
